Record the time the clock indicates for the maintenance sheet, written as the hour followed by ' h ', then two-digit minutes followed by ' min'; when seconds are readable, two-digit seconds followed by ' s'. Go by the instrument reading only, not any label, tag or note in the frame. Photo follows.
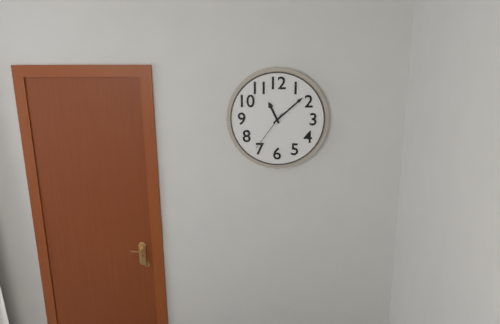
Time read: 11 h 08 min
